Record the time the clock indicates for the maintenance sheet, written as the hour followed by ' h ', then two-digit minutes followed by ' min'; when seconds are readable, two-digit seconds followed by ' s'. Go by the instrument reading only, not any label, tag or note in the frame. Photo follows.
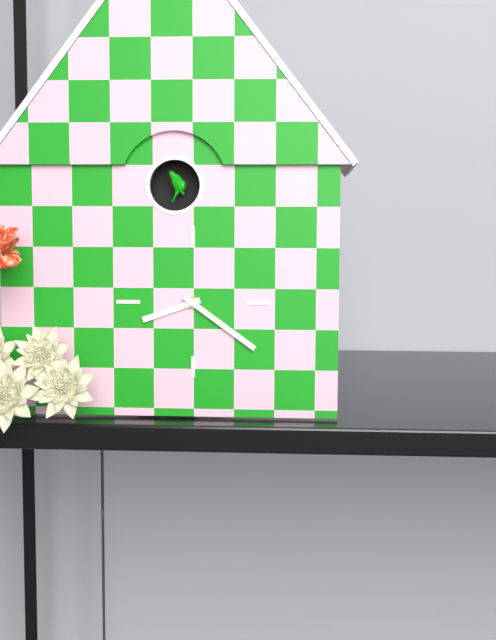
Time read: 8 h 21 min
